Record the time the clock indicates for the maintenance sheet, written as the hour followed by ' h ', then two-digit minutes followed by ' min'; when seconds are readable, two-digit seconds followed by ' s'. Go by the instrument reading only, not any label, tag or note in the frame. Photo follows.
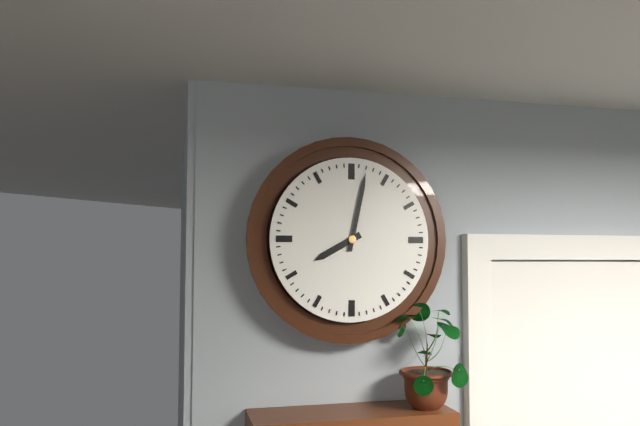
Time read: 8 h 02 min
